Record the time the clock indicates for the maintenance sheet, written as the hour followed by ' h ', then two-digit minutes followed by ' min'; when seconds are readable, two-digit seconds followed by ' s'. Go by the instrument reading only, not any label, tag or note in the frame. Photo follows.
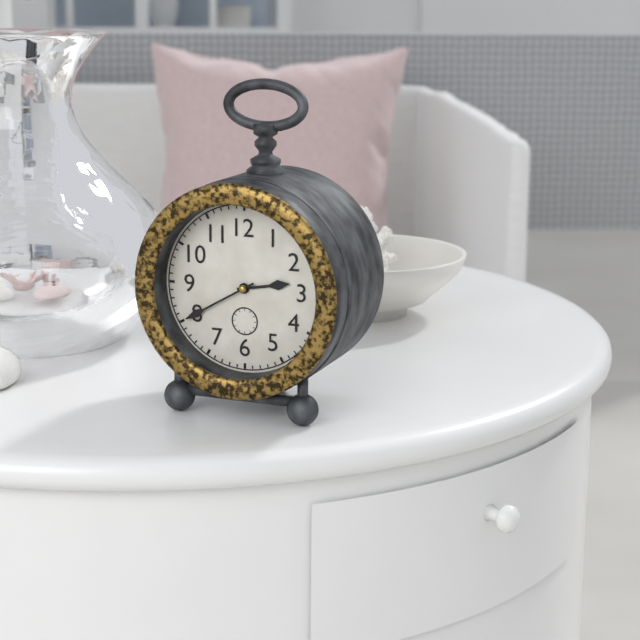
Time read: 2 h 40 min
